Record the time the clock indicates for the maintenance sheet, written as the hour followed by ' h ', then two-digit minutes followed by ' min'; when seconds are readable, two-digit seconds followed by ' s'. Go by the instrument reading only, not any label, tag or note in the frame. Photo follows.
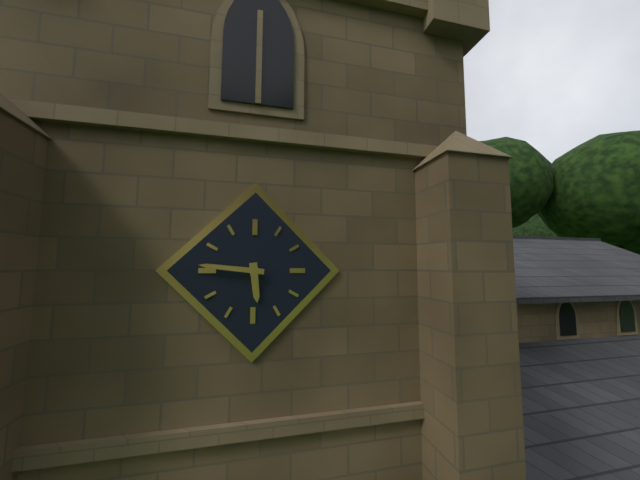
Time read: 5 h 46 min
